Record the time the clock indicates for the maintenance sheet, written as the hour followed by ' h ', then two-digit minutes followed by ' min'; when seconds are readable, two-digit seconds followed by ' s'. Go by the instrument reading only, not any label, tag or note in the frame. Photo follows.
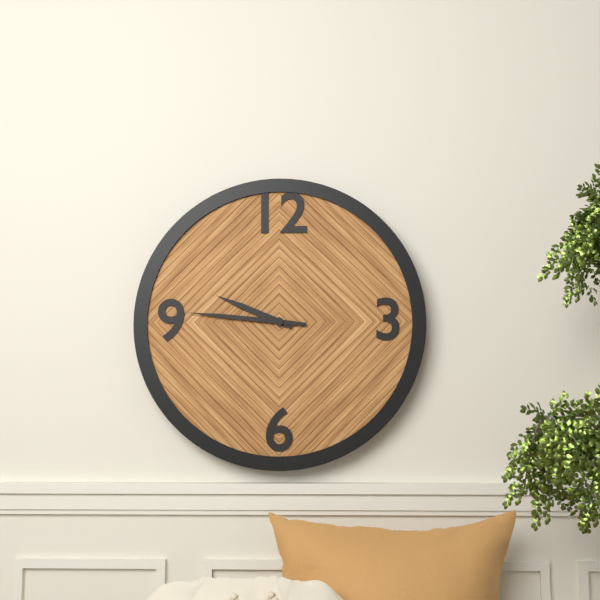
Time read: 9 h 46 min
